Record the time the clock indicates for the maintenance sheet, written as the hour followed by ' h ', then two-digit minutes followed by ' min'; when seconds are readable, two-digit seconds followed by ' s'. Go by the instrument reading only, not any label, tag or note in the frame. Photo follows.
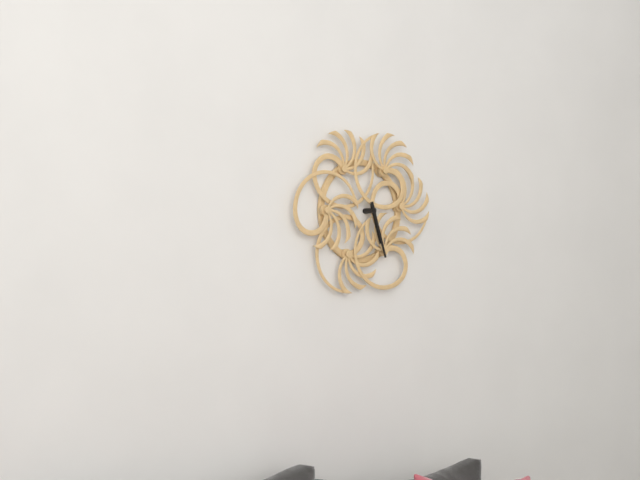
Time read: 5 h 27 min
